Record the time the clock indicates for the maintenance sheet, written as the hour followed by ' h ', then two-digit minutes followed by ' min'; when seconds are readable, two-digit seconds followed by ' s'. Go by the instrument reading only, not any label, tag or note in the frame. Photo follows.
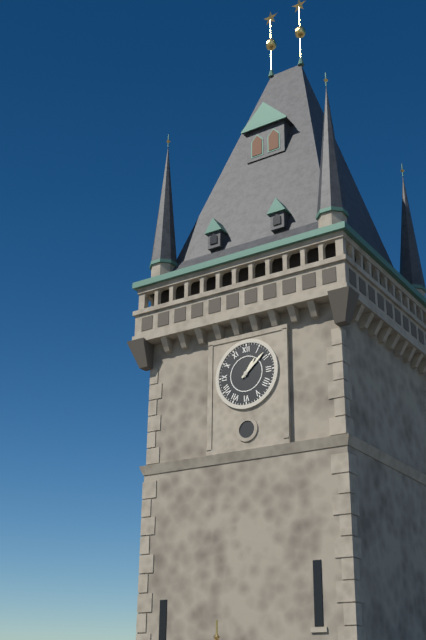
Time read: 1 h 08 min
